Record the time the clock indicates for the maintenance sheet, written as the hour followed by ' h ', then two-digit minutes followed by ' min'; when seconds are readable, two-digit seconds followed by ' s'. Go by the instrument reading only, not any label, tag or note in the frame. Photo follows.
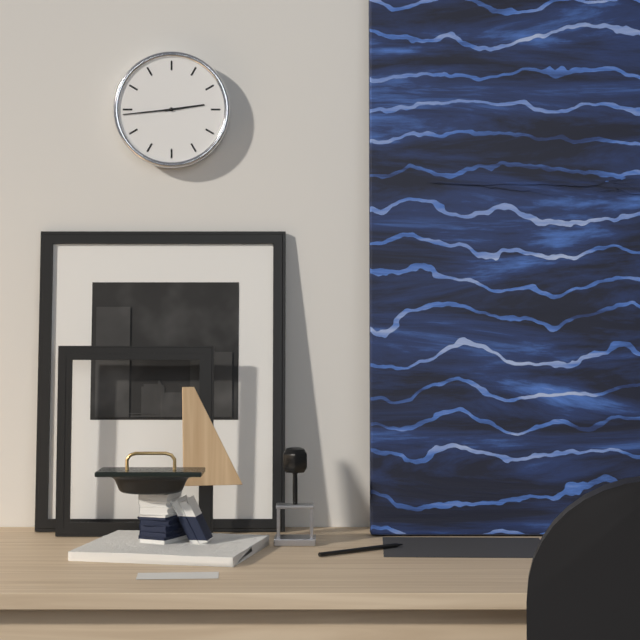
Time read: 2 h 44 min
